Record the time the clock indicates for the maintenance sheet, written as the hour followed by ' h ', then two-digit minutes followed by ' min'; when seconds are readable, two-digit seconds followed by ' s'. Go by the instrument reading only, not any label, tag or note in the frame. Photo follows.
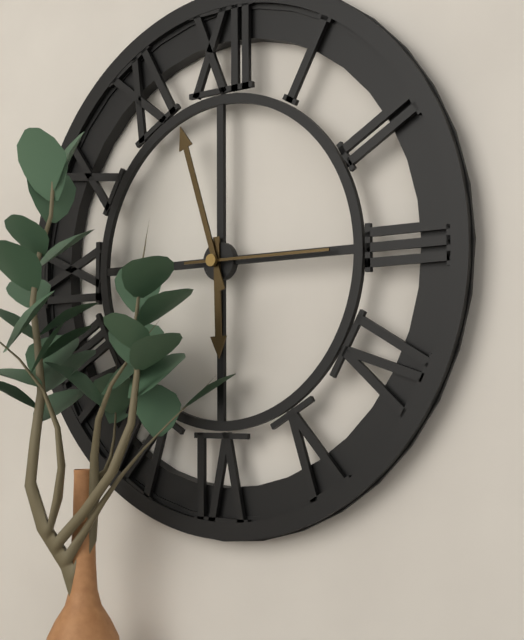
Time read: 5 h 57 min 15 s
